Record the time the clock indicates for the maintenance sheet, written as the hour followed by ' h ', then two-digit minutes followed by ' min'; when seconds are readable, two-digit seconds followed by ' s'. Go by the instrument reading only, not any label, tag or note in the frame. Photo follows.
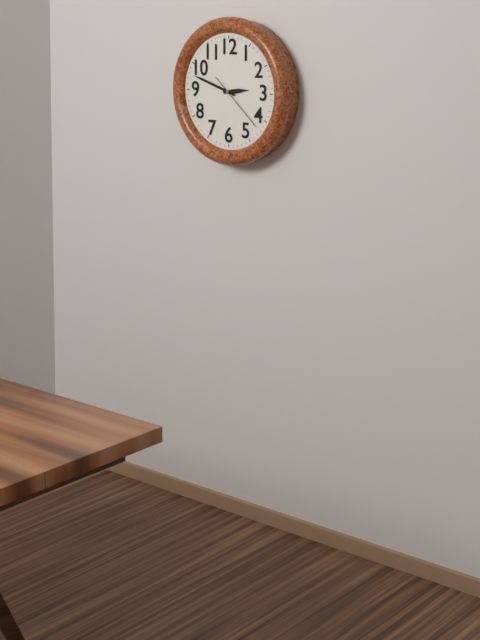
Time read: 2 h 48 min 22 s
